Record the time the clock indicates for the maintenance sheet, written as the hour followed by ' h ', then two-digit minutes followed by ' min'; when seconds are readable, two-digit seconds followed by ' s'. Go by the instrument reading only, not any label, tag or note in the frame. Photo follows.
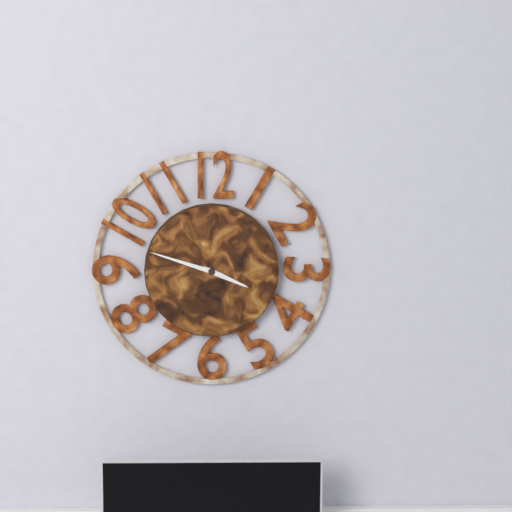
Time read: 3 h 48 min
